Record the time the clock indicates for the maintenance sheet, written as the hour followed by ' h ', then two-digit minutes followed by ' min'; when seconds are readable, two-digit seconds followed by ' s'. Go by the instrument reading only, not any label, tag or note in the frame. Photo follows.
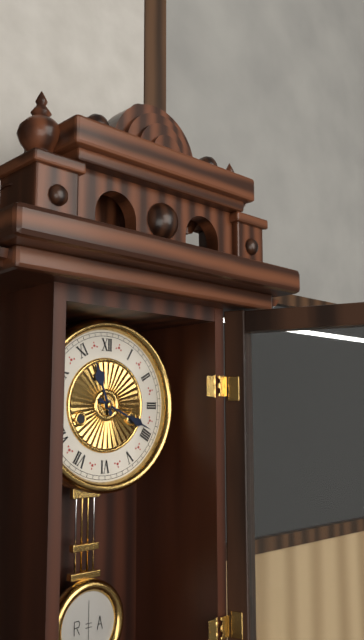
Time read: 11 h 19 min
